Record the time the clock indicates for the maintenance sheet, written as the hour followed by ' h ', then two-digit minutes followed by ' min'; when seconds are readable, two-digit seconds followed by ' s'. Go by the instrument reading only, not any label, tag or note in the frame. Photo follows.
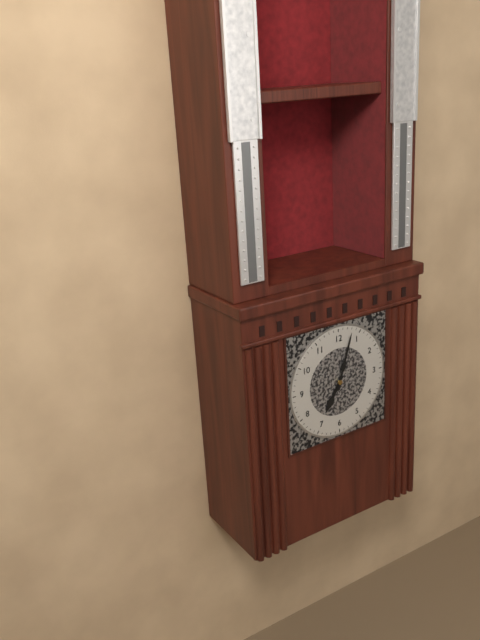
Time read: 7 h 03 min
